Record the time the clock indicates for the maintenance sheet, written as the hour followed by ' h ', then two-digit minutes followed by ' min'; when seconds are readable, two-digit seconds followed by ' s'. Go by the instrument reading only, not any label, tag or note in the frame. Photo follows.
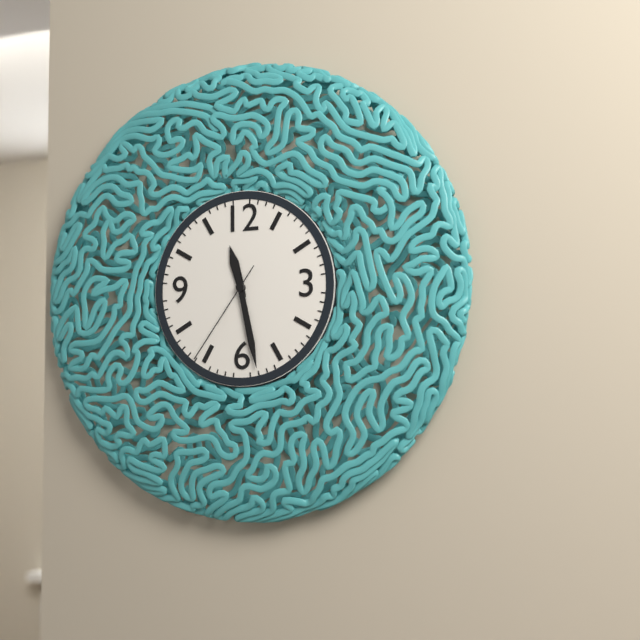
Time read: 11 h 28 min 36 s
